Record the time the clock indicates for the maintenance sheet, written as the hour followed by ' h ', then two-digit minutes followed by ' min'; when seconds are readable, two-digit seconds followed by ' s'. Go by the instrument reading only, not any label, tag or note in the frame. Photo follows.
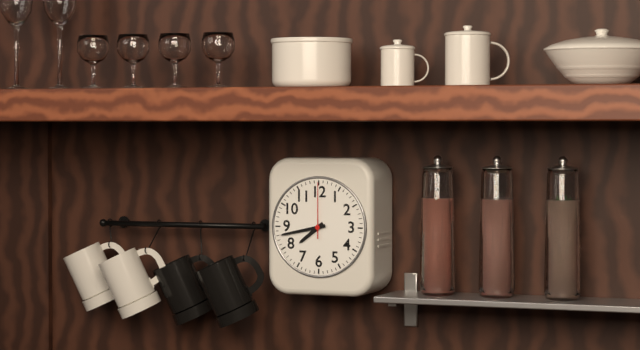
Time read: 7 h 43 min 00 s
